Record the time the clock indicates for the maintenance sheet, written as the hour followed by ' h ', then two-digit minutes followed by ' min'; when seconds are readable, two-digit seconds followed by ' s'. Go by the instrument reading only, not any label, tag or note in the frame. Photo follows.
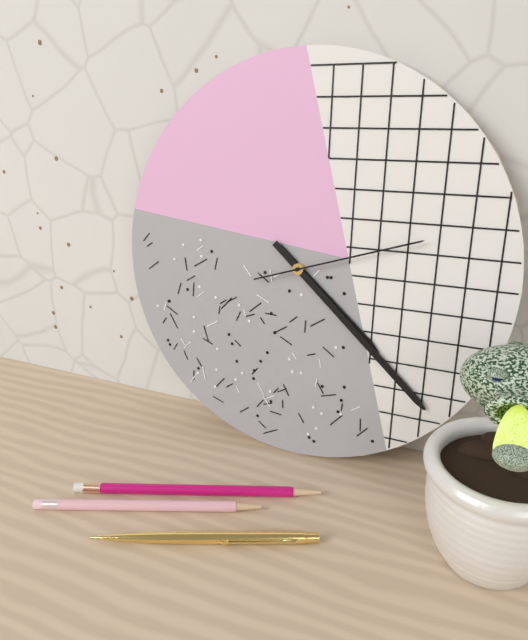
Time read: 4 h 22 min 12 s
